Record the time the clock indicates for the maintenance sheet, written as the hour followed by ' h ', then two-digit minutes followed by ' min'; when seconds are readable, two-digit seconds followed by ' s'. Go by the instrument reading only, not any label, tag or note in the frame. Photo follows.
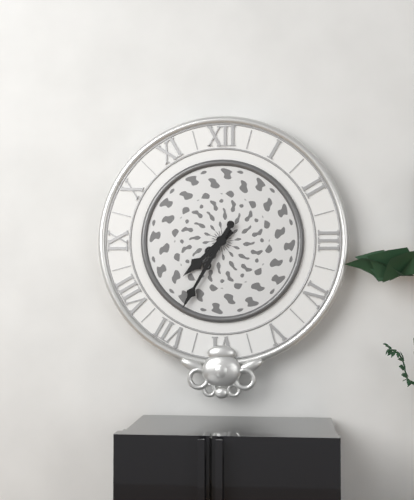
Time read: 7 h 35 min
